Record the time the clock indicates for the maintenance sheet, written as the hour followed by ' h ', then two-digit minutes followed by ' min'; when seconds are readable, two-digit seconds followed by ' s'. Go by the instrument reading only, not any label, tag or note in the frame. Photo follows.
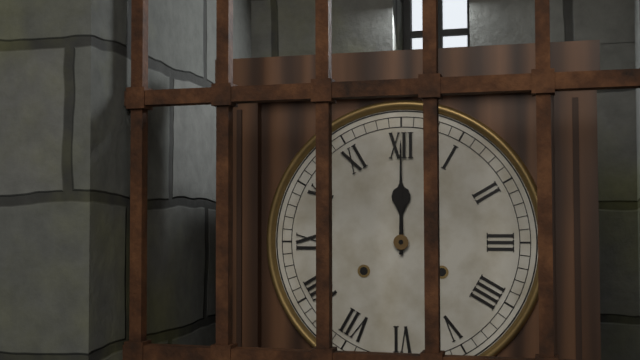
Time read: 12 h 00 min
